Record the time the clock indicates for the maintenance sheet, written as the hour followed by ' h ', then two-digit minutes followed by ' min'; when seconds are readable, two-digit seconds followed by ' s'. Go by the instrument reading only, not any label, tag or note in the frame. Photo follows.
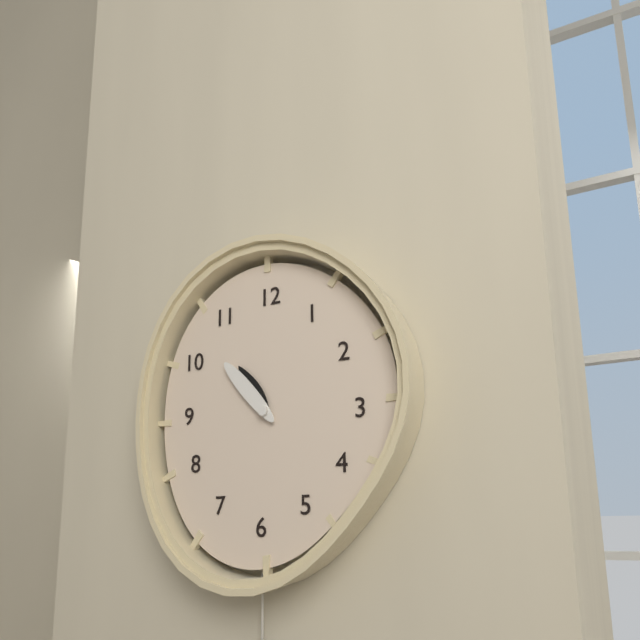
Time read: 10 h 53 min
